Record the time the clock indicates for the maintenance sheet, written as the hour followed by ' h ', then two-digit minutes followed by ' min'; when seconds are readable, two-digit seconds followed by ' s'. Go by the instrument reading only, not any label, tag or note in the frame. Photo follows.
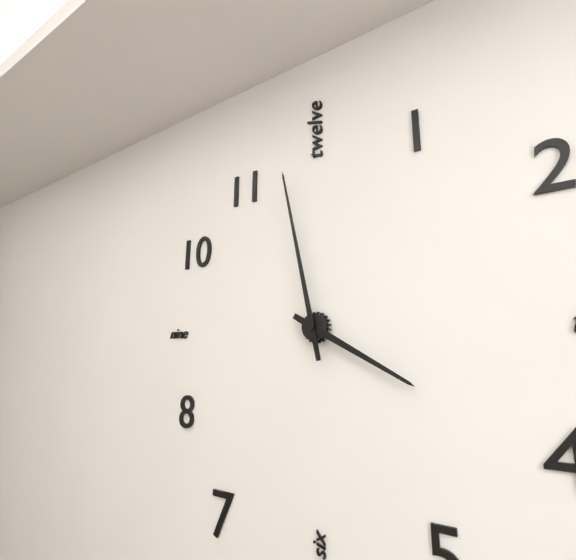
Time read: 3 h 58 min
